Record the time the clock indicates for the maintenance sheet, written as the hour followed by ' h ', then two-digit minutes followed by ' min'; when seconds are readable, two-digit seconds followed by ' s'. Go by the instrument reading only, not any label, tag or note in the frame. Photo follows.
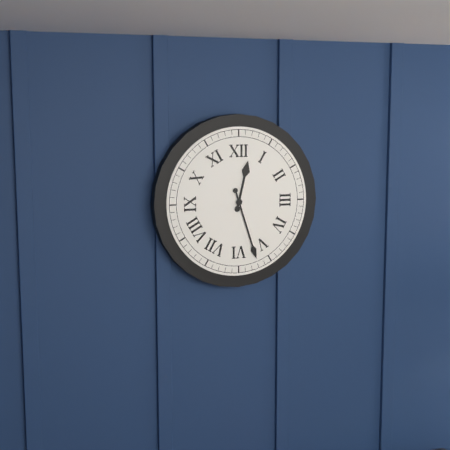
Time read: 12 h 27 min
